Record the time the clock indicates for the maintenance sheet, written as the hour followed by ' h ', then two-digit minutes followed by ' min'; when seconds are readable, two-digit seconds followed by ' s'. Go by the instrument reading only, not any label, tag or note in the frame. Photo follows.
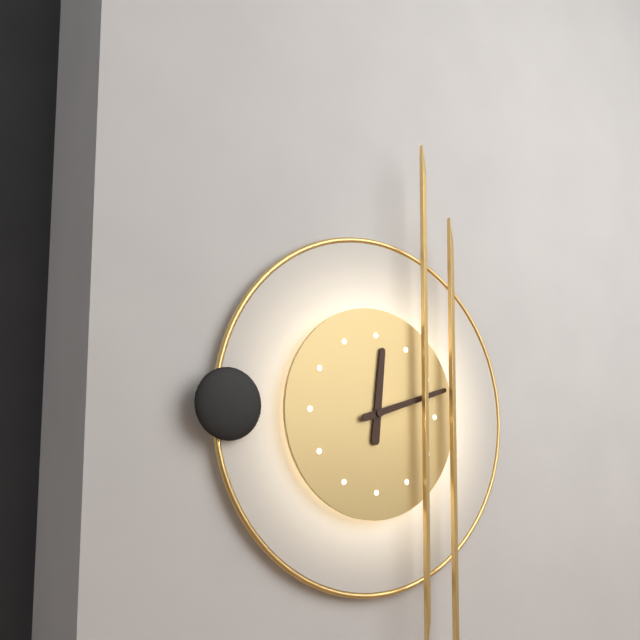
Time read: 12 h 12 min
